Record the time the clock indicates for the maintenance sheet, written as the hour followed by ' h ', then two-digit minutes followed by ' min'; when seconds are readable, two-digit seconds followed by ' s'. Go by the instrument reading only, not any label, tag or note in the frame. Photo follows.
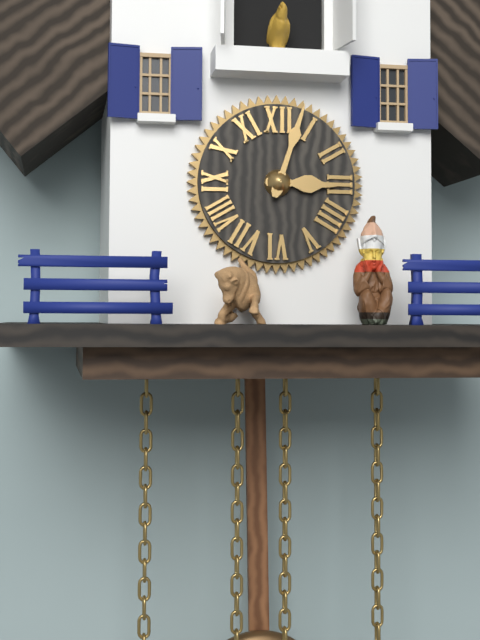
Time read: 3 h 03 min
